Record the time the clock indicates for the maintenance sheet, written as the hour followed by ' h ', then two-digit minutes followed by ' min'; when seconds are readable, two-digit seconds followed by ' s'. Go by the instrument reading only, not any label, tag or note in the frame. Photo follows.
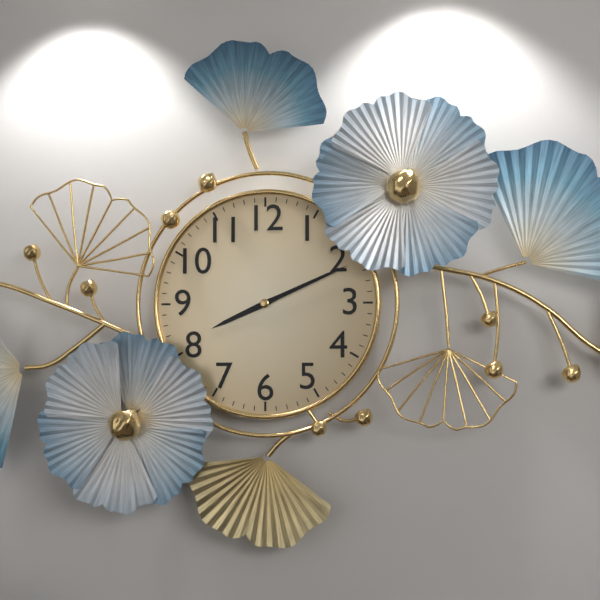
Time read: 8 h 11 min
